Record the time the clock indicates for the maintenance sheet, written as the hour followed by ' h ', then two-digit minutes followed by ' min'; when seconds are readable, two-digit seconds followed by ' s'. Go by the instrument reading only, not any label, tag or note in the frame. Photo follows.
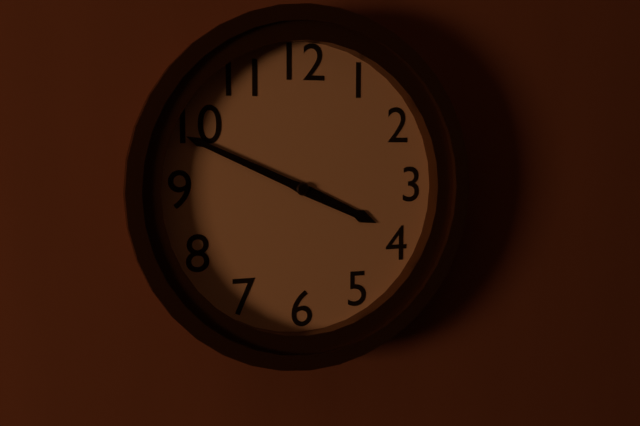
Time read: 3 h 49 min
